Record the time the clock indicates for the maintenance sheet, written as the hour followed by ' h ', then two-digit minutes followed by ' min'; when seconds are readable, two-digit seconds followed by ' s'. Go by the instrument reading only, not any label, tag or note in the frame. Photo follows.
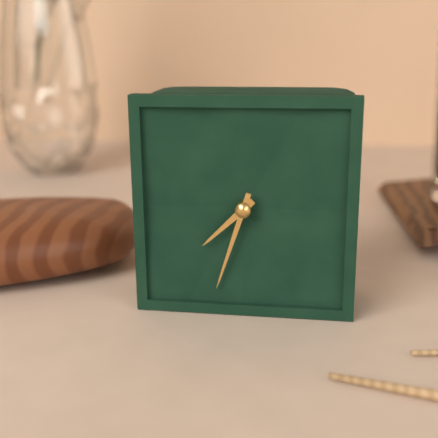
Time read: 7 h 33 min
